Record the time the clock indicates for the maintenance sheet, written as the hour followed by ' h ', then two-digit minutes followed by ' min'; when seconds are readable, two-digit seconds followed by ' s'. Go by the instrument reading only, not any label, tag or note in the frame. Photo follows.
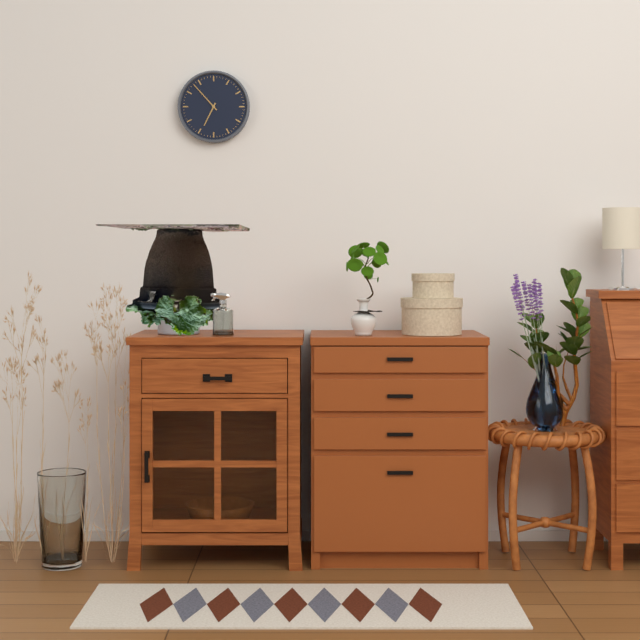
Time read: 6 h 53 min
